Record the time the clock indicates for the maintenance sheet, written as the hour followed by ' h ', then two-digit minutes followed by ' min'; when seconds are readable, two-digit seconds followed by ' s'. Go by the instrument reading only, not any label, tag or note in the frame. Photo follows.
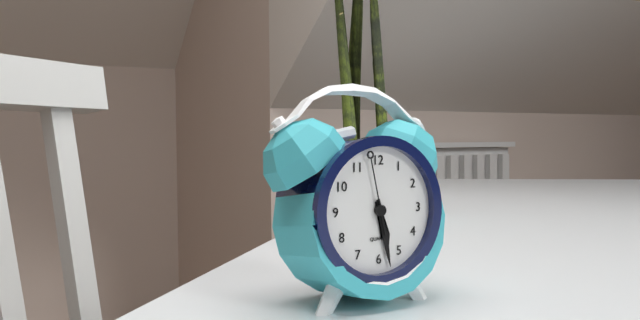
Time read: 5 h 28 min 58 s
